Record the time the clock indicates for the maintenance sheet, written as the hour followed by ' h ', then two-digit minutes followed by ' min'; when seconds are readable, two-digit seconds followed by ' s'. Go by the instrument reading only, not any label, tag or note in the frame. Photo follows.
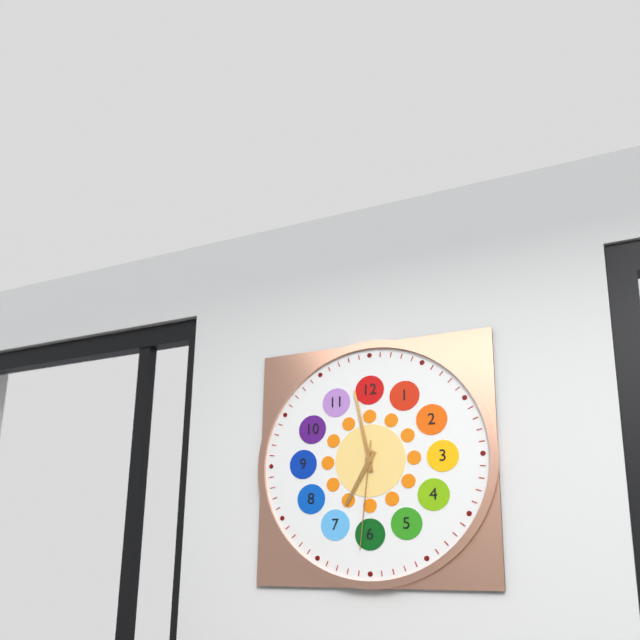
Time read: 6 h 58 min 31 s
